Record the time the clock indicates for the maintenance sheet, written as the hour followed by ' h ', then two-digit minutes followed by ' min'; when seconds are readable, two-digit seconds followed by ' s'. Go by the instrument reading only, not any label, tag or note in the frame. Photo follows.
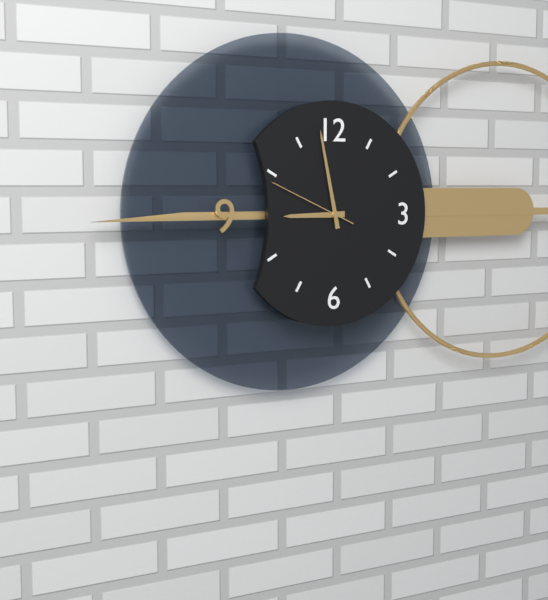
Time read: 8 h 58 min 49 s
